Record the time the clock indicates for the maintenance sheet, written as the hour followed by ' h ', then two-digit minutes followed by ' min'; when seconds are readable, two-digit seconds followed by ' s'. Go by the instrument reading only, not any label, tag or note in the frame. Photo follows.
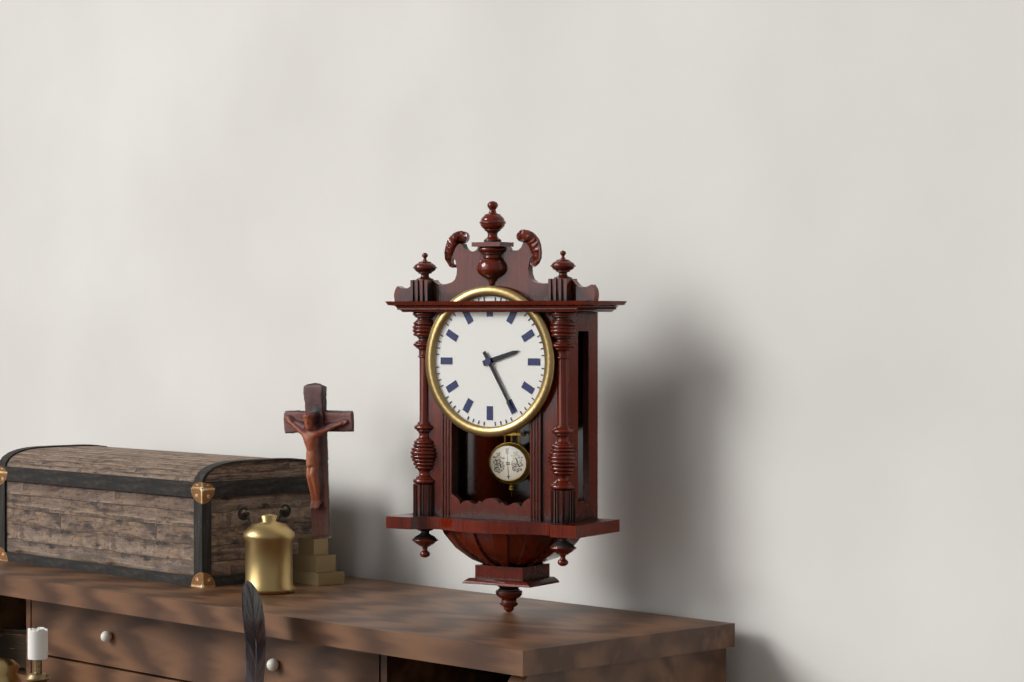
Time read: 2 h 25 min
